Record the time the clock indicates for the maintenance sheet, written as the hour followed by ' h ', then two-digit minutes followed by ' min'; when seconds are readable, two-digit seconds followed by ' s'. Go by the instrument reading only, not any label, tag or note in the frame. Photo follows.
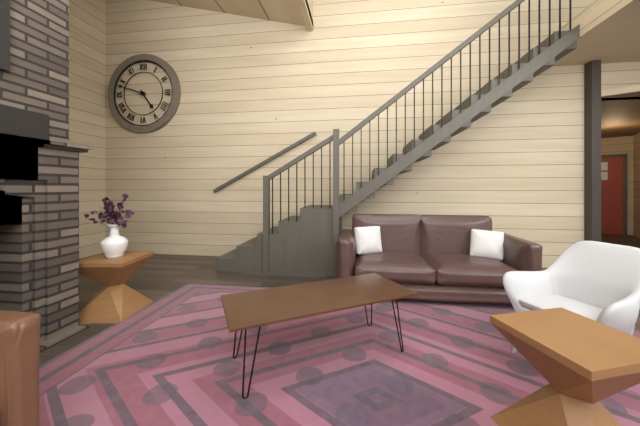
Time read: 4 h 48 min
